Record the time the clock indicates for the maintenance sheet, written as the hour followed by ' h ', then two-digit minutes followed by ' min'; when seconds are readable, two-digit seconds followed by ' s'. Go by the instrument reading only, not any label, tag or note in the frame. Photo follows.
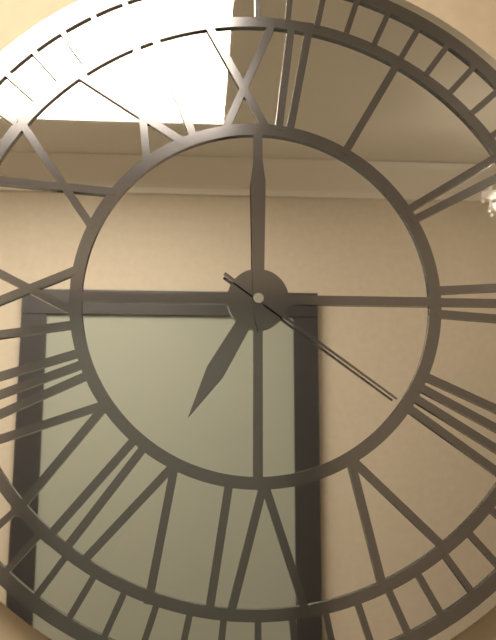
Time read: 7 h 00 min 21 s
